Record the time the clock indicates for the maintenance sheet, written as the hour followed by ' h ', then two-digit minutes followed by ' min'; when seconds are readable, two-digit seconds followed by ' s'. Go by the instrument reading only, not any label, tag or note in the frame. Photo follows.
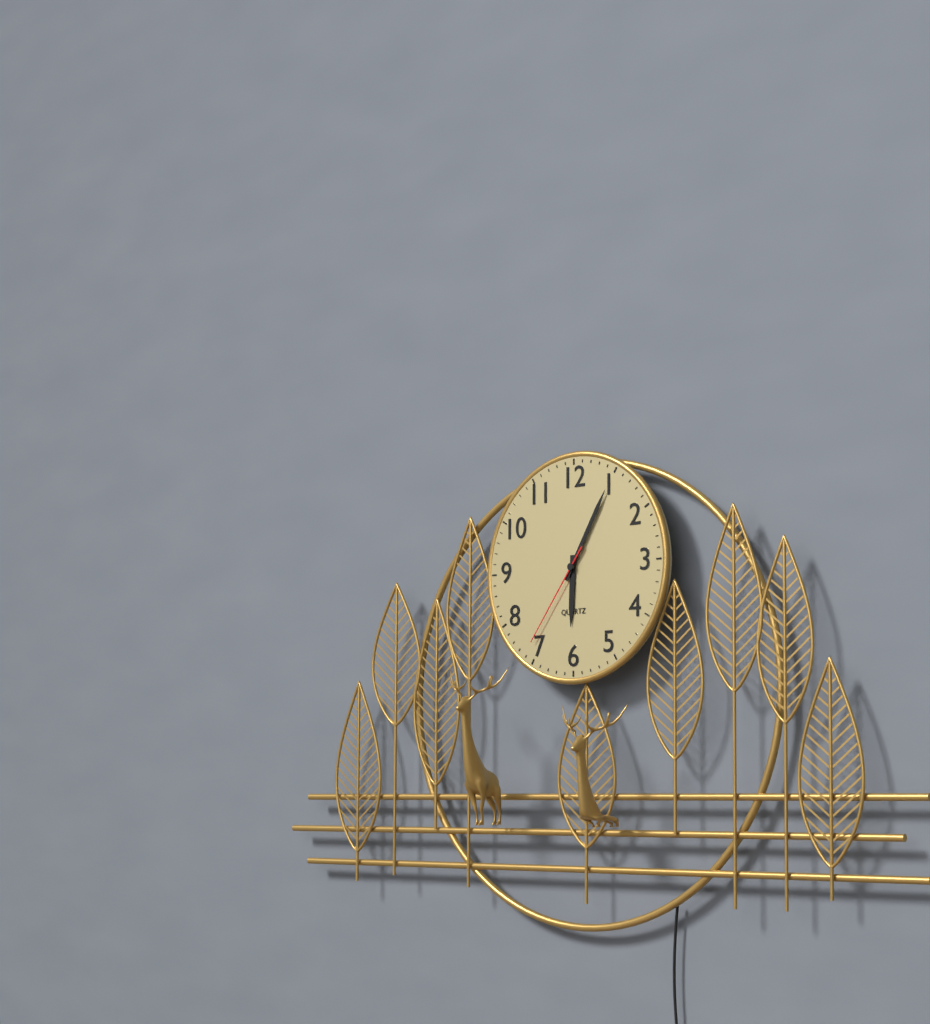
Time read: 6 h 05 min 36 s
